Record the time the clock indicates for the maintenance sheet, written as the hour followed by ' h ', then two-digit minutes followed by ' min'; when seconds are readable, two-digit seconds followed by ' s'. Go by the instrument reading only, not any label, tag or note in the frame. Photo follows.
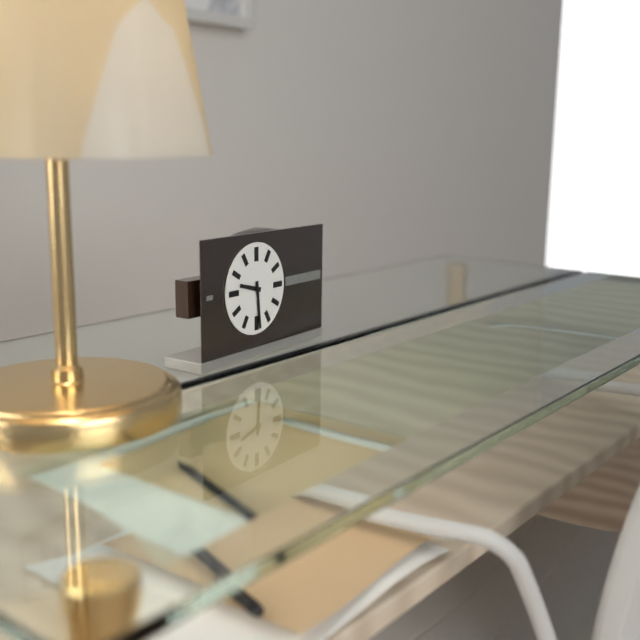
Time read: 9 h 29 min
